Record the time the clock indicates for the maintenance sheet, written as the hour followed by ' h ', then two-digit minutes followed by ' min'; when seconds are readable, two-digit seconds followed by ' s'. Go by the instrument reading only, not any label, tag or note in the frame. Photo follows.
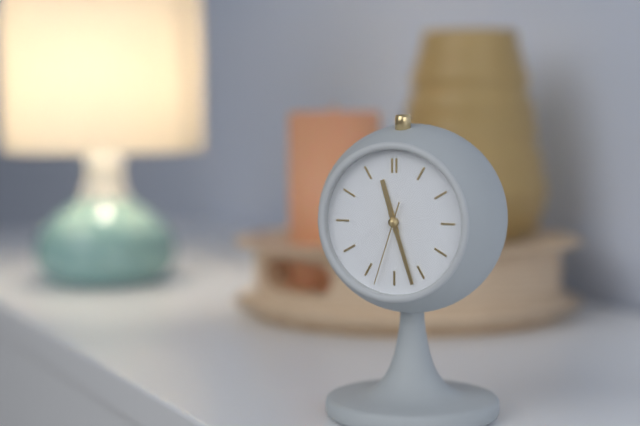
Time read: 11 h 27 min 33 s
